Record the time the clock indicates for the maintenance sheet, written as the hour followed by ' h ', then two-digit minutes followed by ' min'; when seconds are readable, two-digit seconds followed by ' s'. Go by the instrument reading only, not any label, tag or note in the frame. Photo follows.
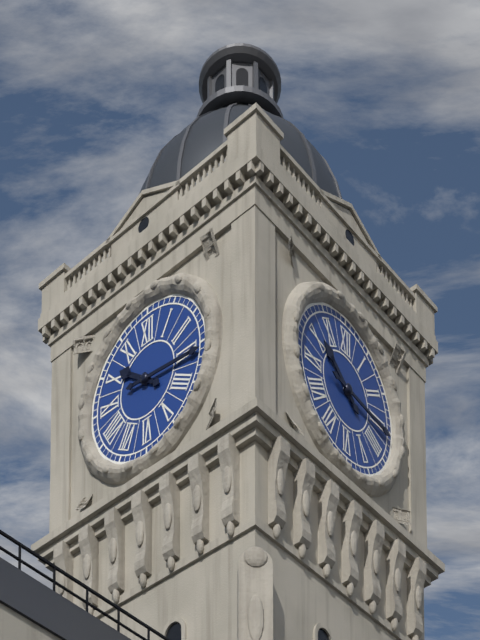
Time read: 10 h 16 min
